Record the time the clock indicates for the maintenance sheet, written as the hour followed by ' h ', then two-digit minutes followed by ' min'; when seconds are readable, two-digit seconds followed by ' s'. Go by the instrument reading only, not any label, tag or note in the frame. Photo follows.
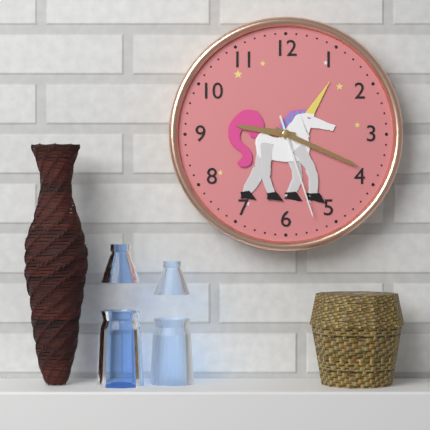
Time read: 9 h 19 min 27 s
